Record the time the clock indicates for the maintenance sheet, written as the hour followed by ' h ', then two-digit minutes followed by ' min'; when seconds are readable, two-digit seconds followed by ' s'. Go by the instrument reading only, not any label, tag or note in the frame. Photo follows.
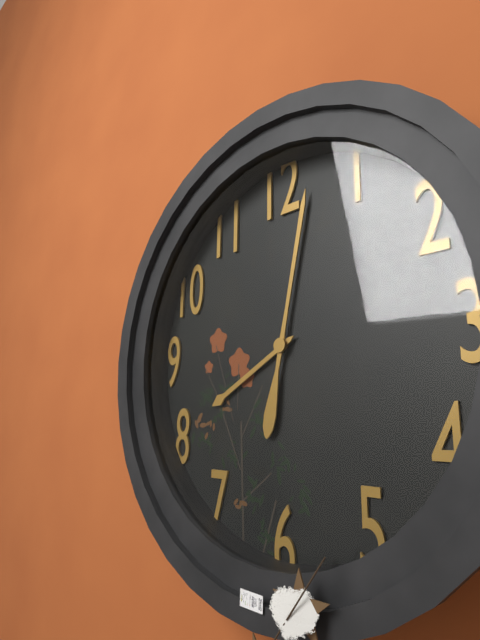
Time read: 8 h 02 min
